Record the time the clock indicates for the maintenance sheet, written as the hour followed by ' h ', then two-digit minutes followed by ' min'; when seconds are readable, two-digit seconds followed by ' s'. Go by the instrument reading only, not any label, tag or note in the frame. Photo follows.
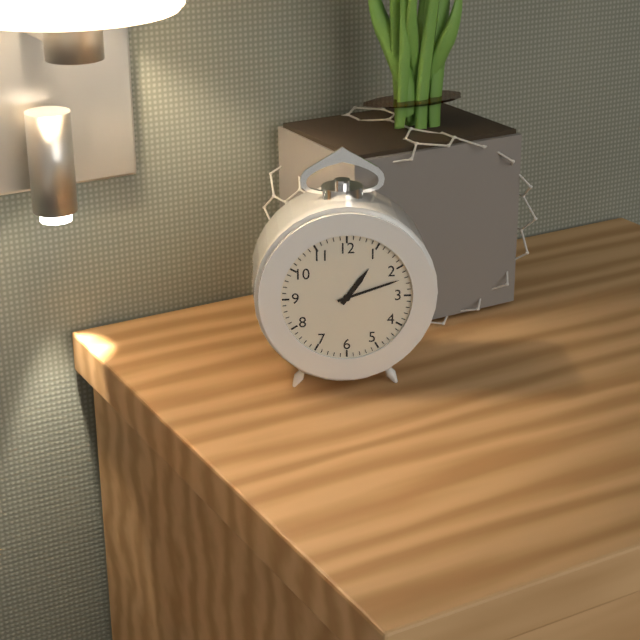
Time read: 1 h 12 min
